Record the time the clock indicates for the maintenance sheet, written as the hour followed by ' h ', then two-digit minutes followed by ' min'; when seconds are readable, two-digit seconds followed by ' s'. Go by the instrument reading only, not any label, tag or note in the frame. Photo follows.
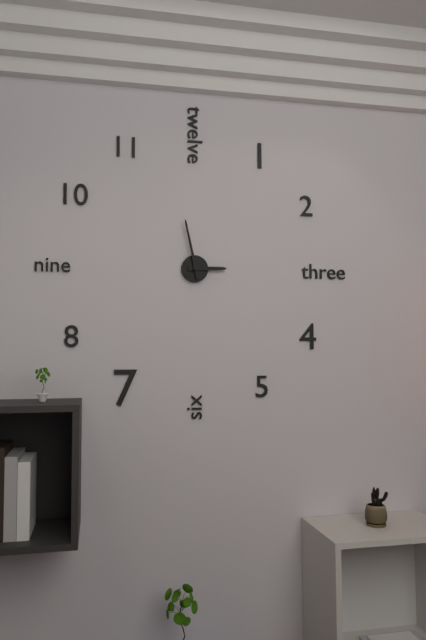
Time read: 2 h 58 min
